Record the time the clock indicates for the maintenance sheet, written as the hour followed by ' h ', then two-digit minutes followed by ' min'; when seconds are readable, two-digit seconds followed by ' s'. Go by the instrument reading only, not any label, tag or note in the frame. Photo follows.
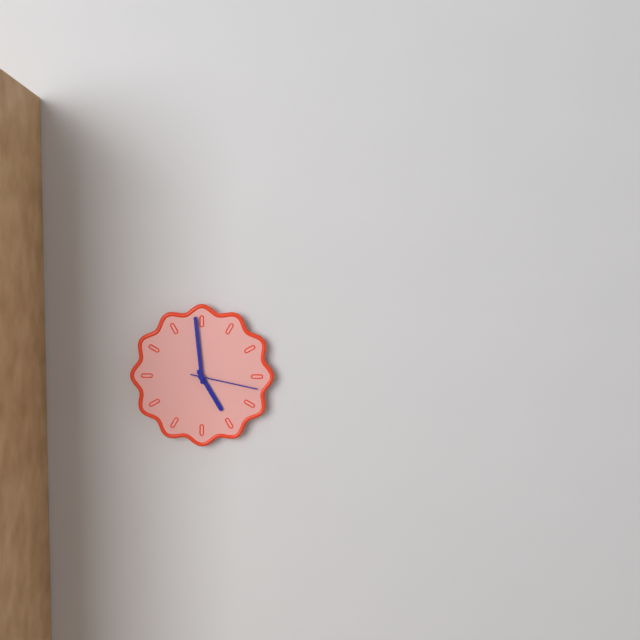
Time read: 4 h 59 min 17 s
